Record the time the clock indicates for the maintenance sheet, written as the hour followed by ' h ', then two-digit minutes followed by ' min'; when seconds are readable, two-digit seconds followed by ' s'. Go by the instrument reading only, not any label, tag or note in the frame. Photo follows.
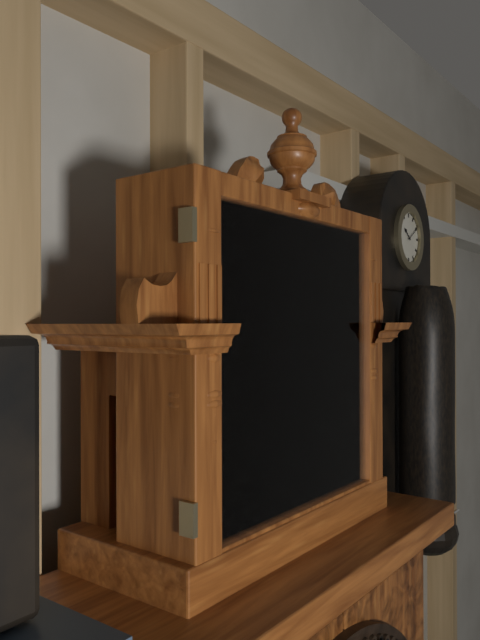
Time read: 8 h 19 min
